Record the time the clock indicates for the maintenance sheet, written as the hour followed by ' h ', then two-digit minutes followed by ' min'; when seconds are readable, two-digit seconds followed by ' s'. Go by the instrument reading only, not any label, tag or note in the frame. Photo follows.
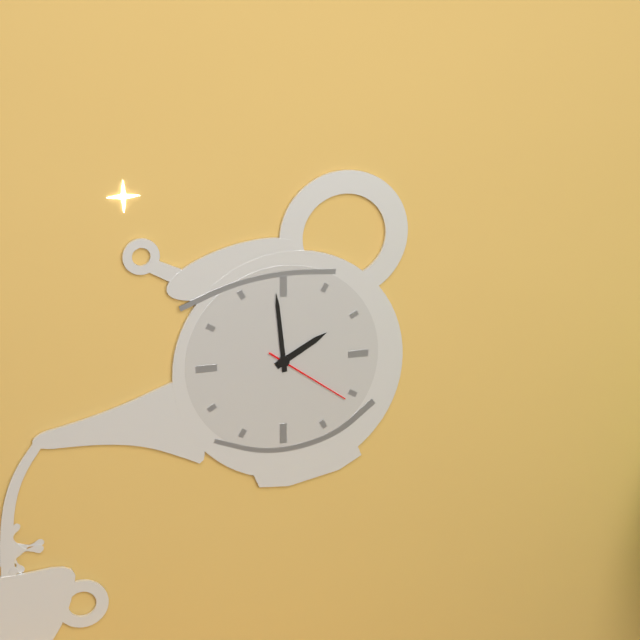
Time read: 1 h 59 min 21 s
